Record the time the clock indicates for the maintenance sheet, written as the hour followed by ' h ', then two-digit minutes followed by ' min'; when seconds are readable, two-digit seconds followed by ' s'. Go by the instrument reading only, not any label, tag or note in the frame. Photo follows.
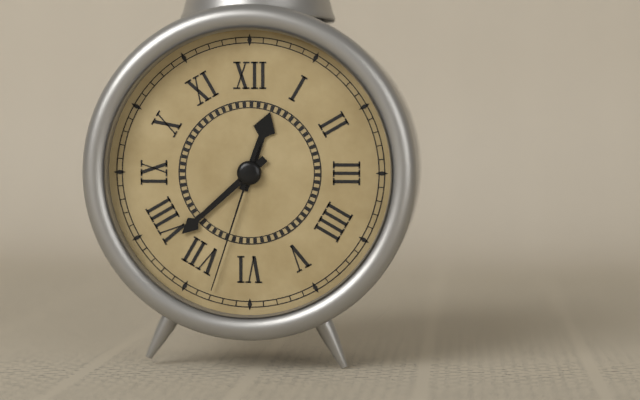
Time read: 12 h 38 min 33 s
